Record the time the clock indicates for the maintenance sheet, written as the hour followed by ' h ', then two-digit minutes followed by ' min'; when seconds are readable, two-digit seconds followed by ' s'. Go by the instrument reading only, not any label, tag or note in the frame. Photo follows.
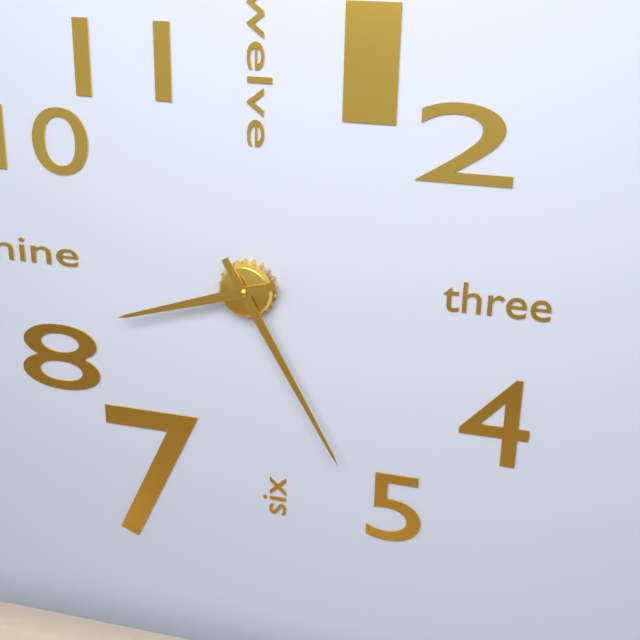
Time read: 8 h 25 min
